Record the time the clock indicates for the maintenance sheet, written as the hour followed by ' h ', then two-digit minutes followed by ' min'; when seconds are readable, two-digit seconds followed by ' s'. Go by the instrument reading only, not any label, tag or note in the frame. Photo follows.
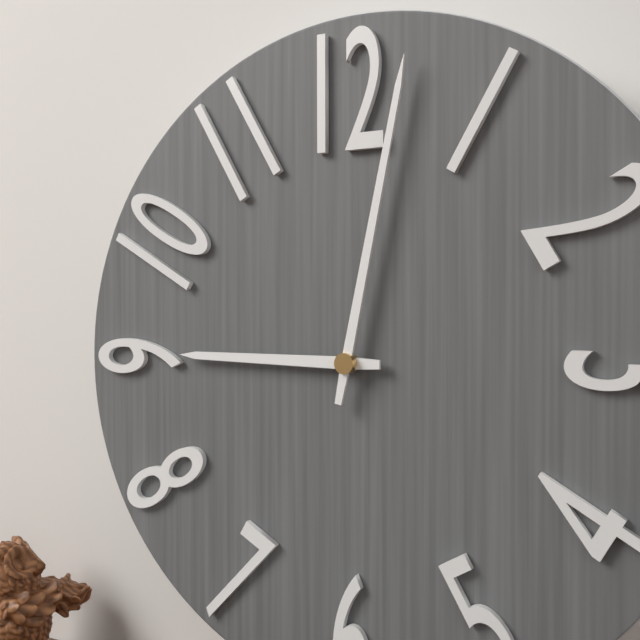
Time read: 9 h 02 min
